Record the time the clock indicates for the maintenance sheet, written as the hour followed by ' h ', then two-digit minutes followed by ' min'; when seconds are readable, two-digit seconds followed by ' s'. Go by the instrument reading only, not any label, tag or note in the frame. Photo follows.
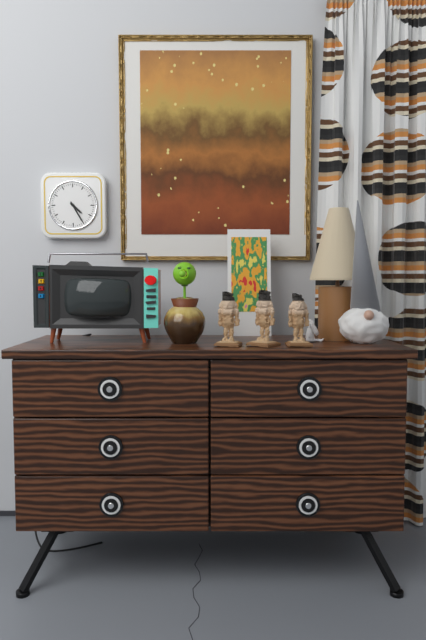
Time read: 4 h 25 min
